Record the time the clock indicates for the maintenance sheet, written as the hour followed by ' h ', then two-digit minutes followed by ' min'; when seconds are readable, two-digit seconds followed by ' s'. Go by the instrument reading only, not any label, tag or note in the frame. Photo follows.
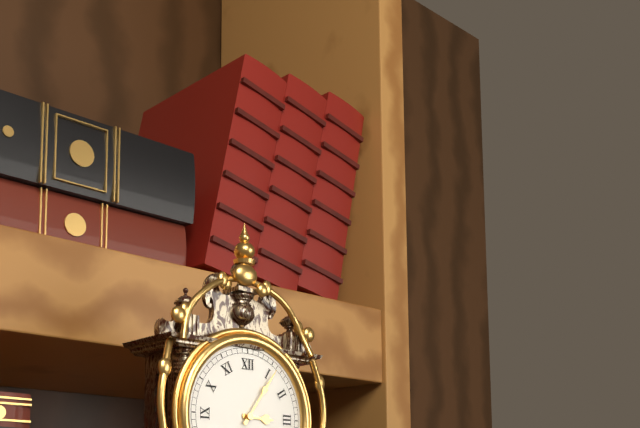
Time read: 3 h 06 min
